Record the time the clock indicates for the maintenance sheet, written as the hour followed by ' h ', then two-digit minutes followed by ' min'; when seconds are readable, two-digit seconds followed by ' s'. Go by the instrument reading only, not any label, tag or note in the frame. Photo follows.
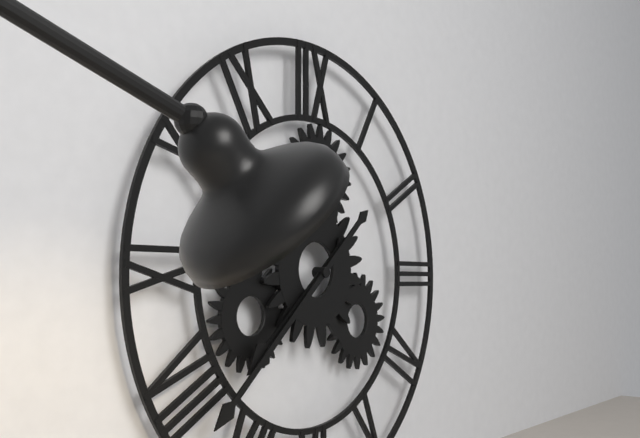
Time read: 7 h 38 min
